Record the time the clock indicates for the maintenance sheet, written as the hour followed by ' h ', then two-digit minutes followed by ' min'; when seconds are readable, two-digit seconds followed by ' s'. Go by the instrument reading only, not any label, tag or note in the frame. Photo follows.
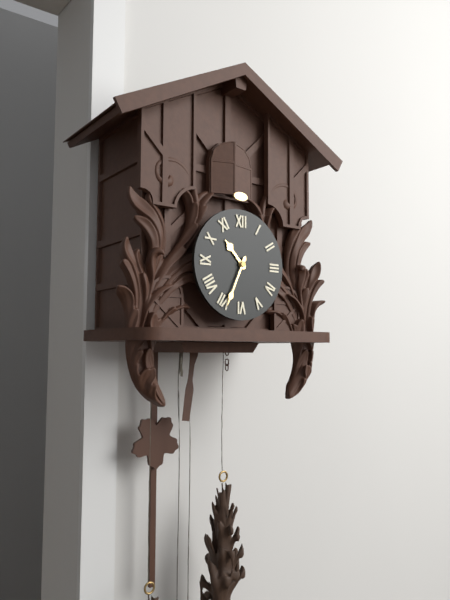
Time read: 10 h 34 min
